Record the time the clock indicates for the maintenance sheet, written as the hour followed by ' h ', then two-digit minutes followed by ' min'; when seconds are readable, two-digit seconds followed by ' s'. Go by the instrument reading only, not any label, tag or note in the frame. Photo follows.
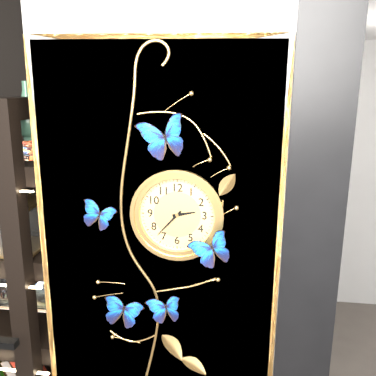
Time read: 2 h 37 min
